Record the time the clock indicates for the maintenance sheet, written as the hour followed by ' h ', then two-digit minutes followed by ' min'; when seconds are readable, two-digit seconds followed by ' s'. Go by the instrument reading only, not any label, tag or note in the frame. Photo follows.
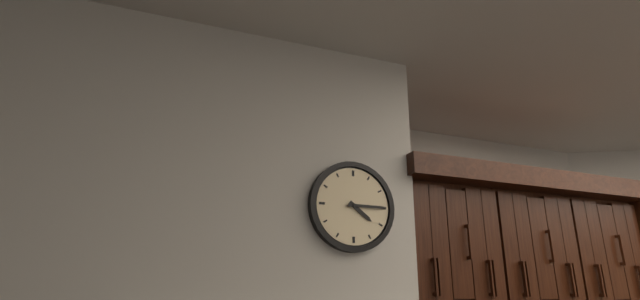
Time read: 4 h 15 min
